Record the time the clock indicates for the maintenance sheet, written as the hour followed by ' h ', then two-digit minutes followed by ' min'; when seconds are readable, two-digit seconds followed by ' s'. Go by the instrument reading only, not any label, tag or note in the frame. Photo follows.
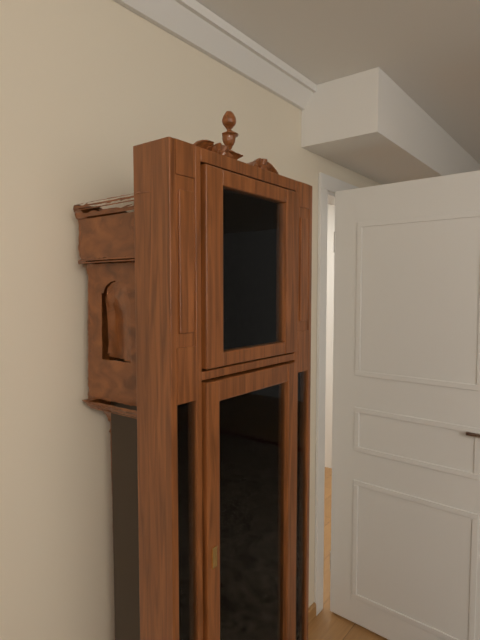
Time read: 12 h 34 min
